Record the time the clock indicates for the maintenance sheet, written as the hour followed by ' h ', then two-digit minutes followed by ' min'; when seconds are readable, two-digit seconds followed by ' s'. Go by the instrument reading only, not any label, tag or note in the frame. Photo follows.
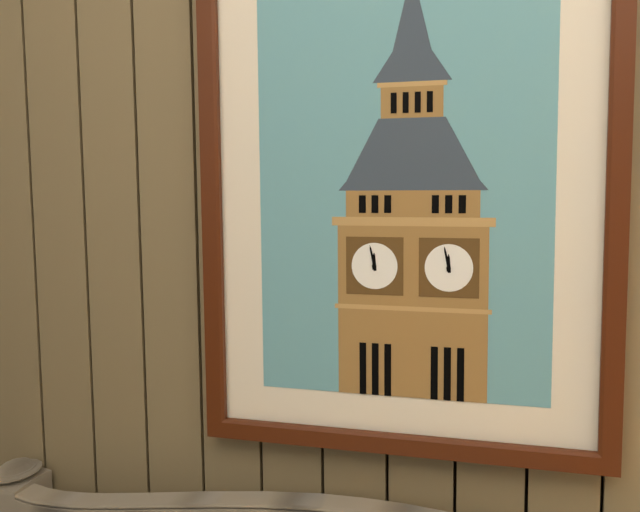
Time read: 11 h 58 min
